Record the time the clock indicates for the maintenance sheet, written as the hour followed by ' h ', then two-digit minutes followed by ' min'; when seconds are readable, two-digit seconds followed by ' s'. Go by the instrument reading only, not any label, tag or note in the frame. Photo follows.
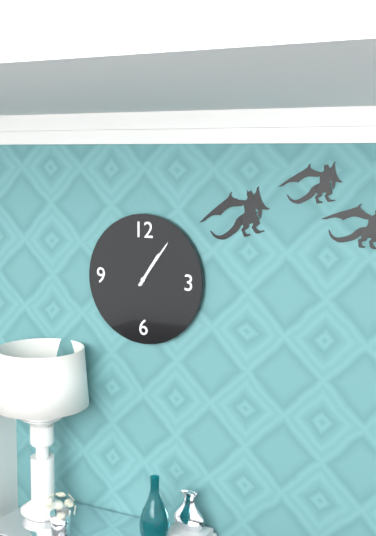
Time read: 1 h 06 min
